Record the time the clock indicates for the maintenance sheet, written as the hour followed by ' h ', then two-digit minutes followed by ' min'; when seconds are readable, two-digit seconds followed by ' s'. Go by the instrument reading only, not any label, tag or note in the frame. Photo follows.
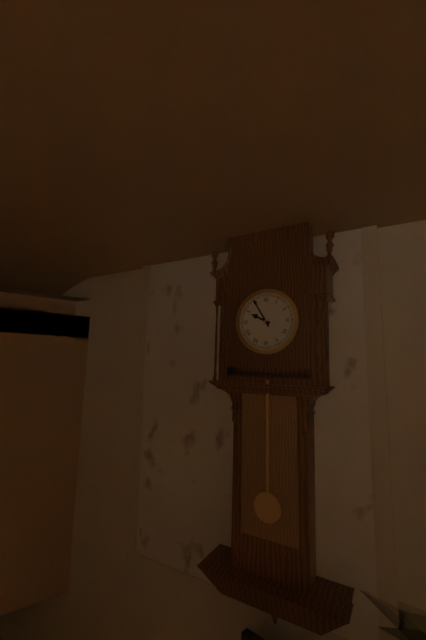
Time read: 9 h 55 min
